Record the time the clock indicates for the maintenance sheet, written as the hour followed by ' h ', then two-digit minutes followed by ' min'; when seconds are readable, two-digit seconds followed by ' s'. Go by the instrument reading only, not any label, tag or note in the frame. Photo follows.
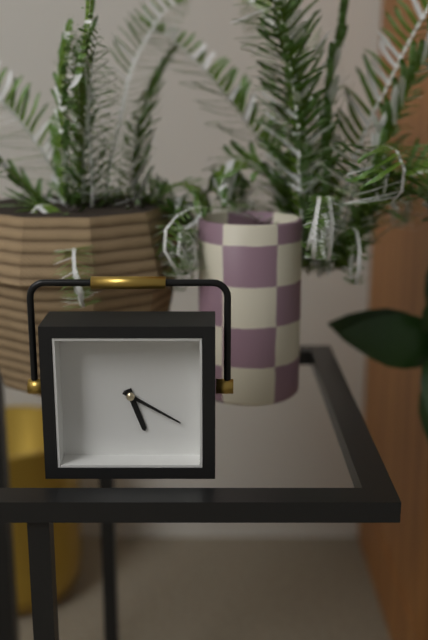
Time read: 5 h 20 min
